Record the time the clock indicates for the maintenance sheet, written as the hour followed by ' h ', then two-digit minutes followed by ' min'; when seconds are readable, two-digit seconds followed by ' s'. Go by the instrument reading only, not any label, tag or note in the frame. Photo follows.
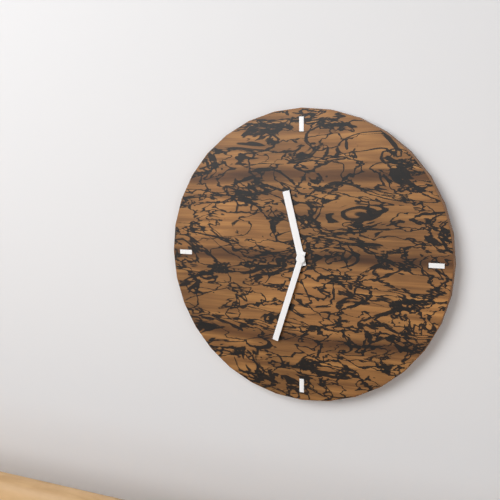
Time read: 11 h 33 min
